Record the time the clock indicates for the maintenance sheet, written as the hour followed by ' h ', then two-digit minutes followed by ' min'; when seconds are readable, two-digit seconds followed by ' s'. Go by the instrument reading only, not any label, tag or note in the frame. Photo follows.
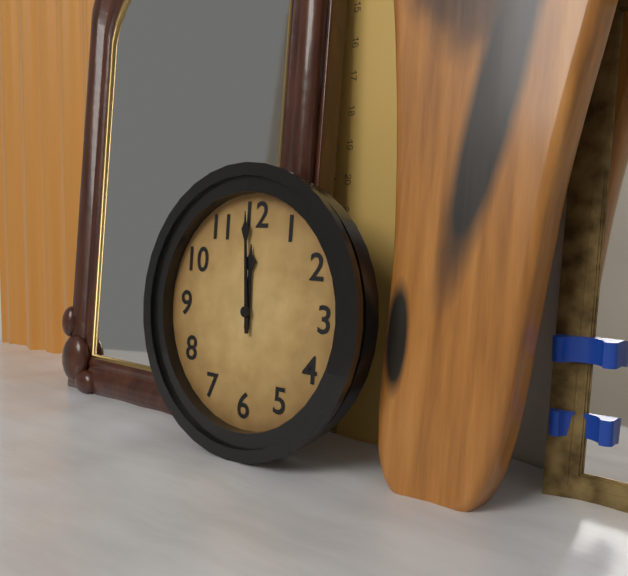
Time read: 11 h 59 min
